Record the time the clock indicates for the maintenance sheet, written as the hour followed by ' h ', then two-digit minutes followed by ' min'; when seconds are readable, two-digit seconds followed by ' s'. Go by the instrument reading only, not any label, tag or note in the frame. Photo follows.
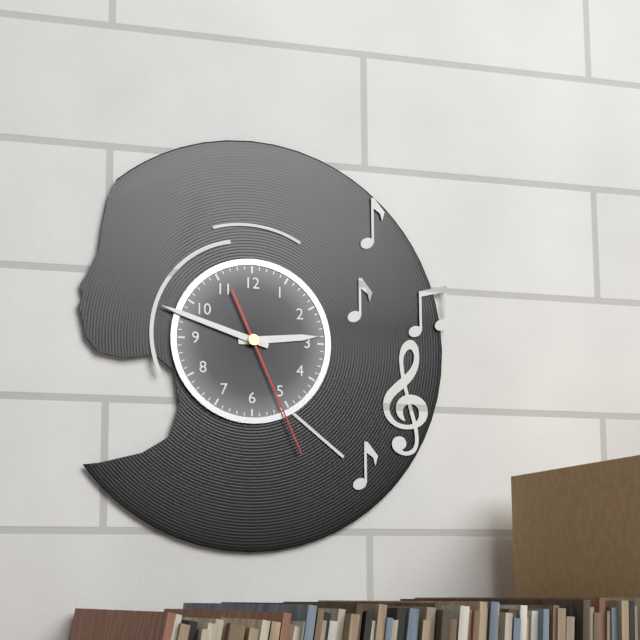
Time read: 2 h 48 min 26 s
